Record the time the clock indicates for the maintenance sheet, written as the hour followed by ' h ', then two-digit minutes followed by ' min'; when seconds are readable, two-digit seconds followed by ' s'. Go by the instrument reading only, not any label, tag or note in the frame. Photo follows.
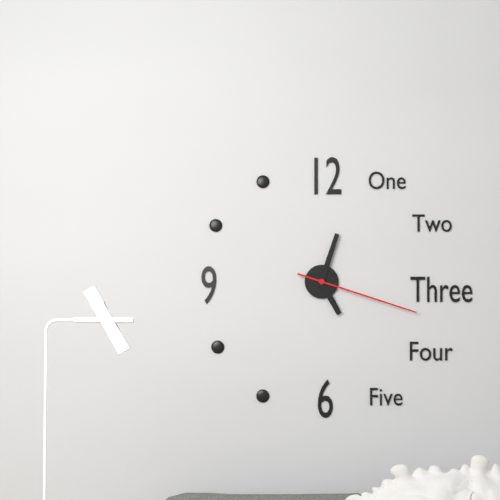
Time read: 5 h 03 min 18 s
